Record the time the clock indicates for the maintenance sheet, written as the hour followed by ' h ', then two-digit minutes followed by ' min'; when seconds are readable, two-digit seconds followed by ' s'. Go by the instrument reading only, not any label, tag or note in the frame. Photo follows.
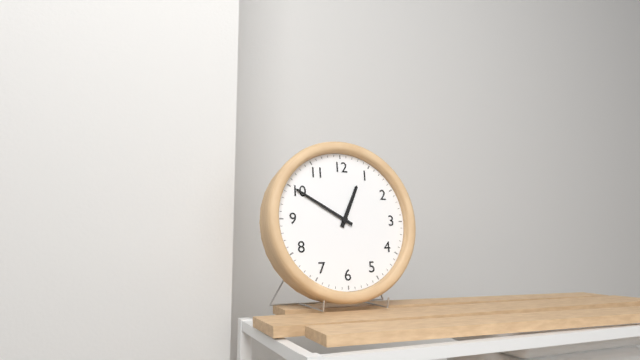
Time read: 12 h 50 min
